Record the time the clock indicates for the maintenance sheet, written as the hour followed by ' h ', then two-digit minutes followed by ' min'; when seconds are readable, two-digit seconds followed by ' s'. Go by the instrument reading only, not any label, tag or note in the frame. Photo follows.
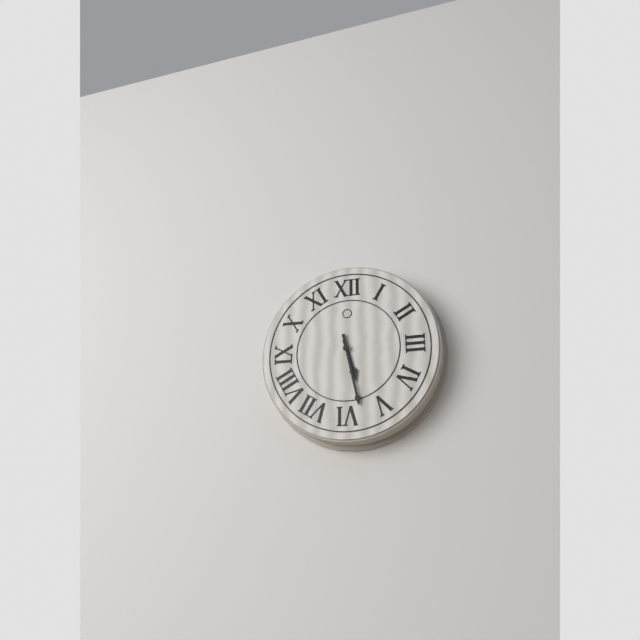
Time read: 5 h 28 min
